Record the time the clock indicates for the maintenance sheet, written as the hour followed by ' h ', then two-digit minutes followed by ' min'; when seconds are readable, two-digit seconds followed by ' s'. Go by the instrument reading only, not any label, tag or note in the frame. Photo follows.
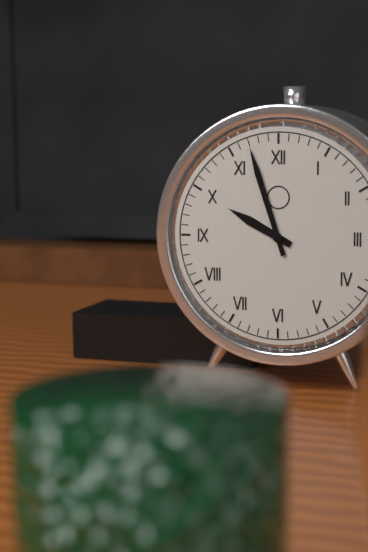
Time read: 9 h 57 min
